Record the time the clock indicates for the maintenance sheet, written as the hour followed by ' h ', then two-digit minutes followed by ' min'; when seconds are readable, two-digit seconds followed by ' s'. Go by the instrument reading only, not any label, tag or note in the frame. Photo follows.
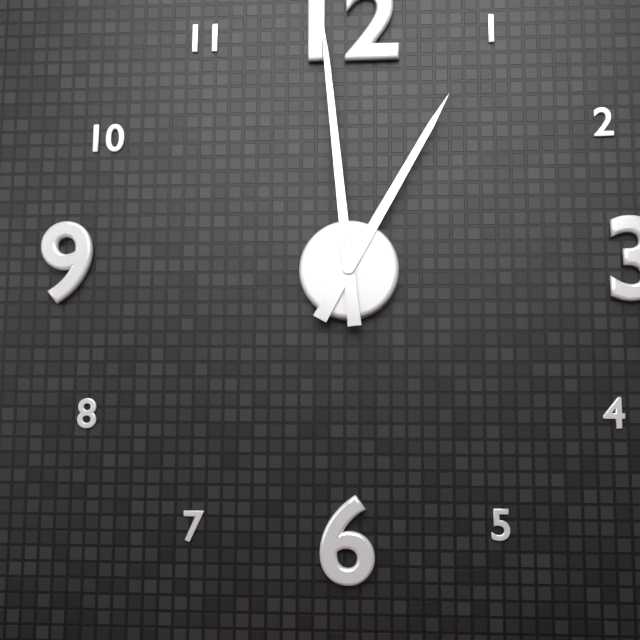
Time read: 12 h 59 min
